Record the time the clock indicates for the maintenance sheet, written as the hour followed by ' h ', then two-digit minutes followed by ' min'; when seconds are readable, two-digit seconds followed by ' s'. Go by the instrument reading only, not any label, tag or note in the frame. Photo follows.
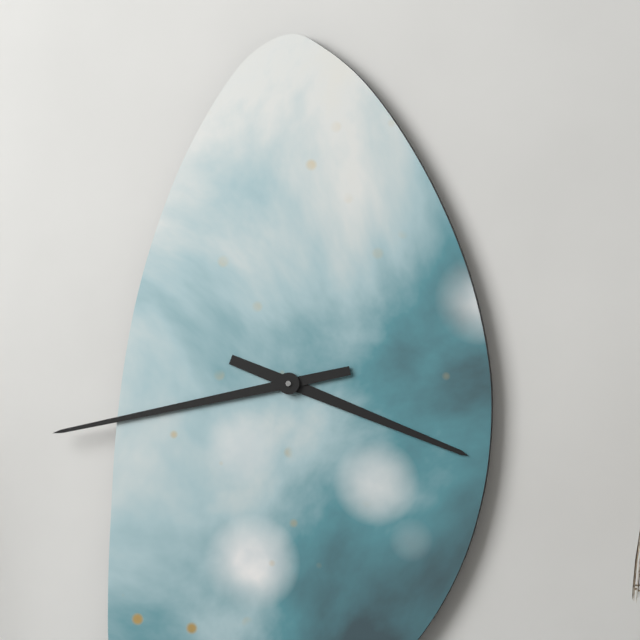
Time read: 3 h 43 min
